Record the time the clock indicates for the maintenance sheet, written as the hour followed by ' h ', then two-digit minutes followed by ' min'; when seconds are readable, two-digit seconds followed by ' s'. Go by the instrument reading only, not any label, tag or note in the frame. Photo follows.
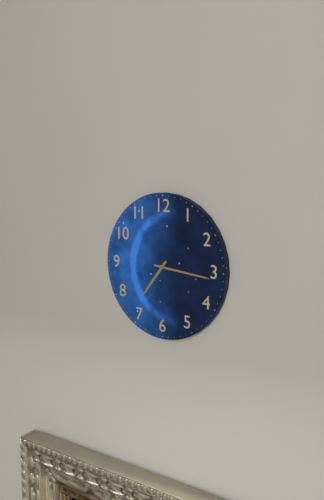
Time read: 7 h 16 min
